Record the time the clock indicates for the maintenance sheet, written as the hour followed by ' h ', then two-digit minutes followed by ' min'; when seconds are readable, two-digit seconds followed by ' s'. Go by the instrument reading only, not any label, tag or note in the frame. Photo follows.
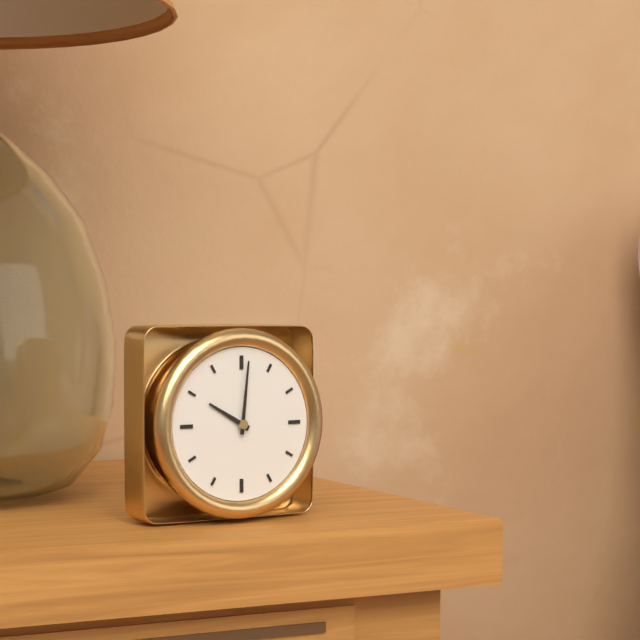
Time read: 10 h 01 min
